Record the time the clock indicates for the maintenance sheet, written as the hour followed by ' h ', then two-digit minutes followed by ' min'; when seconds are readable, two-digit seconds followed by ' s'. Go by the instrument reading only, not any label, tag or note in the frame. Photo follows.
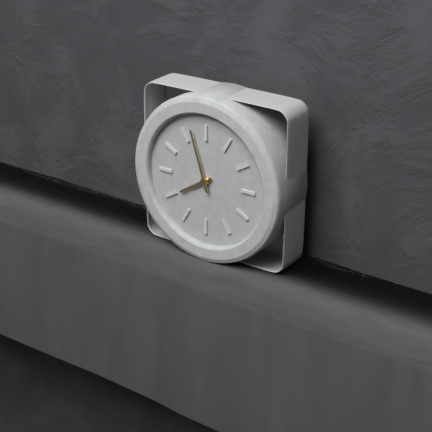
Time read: 7 h 57 min
